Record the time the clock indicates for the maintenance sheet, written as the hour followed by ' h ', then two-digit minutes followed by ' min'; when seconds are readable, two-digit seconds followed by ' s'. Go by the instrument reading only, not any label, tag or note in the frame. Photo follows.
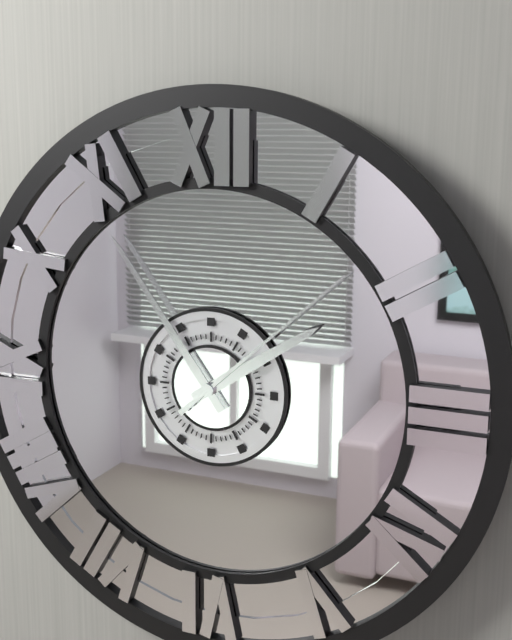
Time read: 1 h 54 min 08 s
